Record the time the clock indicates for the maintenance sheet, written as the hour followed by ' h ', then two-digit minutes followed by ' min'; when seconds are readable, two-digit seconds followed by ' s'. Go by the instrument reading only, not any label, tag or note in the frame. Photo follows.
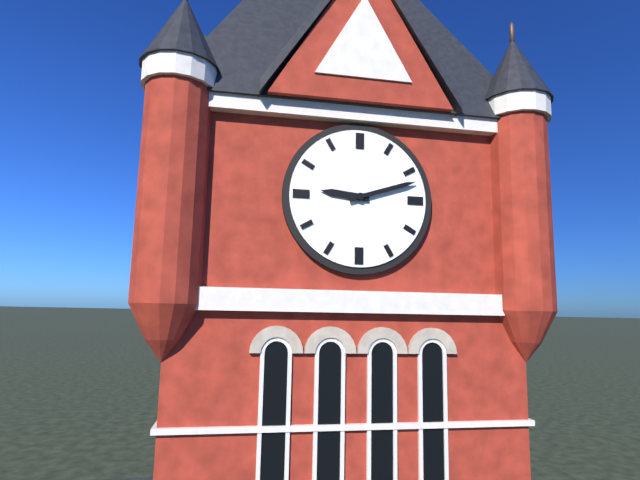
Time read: 9 h 12 min
